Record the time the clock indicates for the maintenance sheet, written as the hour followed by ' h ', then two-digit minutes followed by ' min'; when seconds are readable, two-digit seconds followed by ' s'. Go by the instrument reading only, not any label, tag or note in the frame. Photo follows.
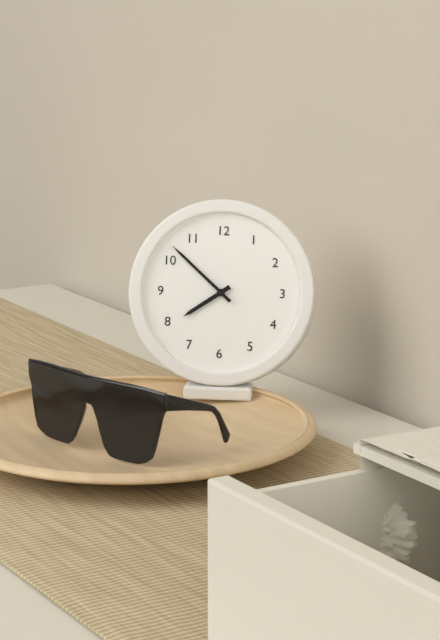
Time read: 7 h 52 min
